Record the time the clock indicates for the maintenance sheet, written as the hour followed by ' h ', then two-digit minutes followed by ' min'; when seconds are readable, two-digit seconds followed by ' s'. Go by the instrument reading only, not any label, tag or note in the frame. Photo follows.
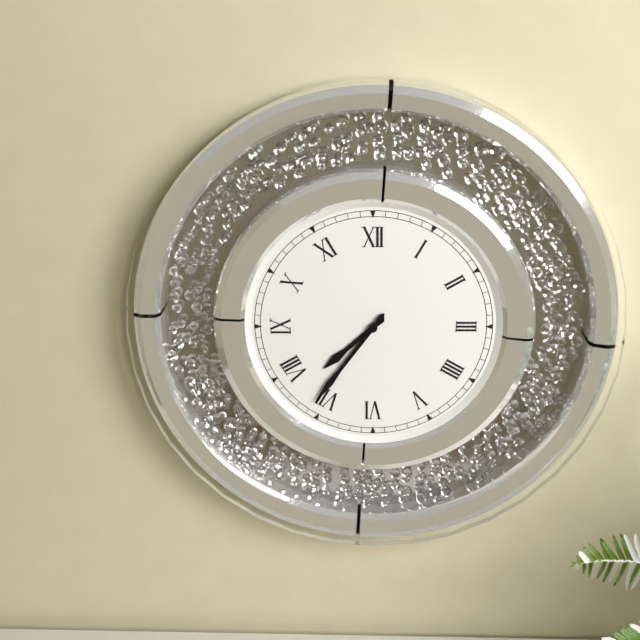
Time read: 7 h 36 min
